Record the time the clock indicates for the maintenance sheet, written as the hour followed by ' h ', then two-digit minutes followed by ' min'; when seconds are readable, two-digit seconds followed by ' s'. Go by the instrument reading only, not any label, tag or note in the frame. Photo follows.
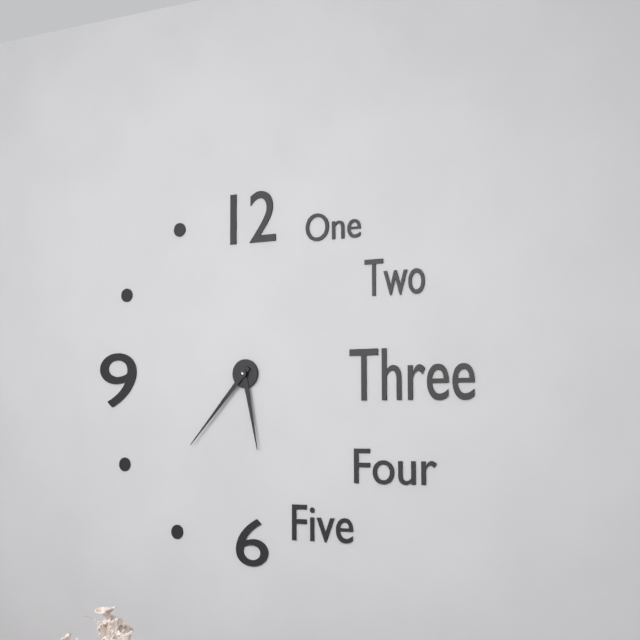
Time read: 5 h 37 min
